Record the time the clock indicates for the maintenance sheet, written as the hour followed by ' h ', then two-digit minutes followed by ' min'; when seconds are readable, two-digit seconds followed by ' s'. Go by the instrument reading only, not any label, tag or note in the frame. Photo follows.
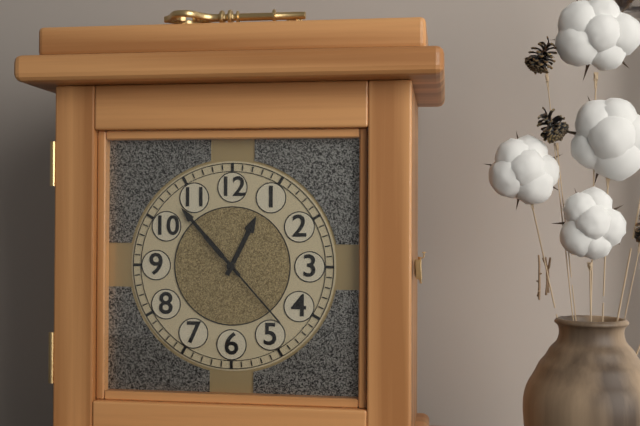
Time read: 12 h 53 min 23 s
